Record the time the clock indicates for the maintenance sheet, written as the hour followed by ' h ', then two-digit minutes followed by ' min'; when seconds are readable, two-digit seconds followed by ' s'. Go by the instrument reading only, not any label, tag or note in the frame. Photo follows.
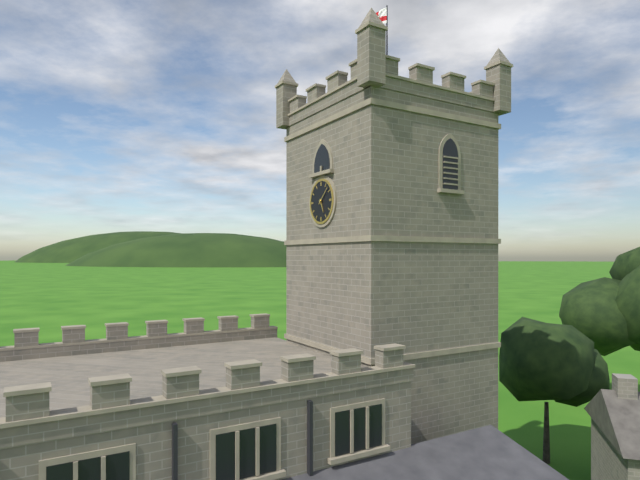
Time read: 5 h 08 min
